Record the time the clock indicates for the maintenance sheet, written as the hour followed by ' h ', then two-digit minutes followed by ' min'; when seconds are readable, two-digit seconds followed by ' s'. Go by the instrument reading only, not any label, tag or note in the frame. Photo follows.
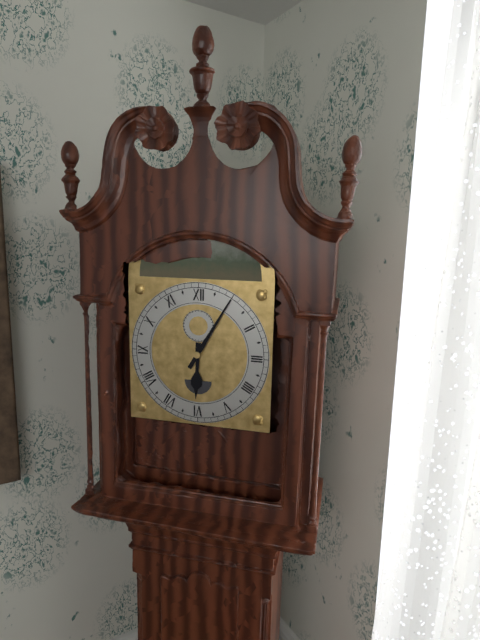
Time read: 6 h 05 min
